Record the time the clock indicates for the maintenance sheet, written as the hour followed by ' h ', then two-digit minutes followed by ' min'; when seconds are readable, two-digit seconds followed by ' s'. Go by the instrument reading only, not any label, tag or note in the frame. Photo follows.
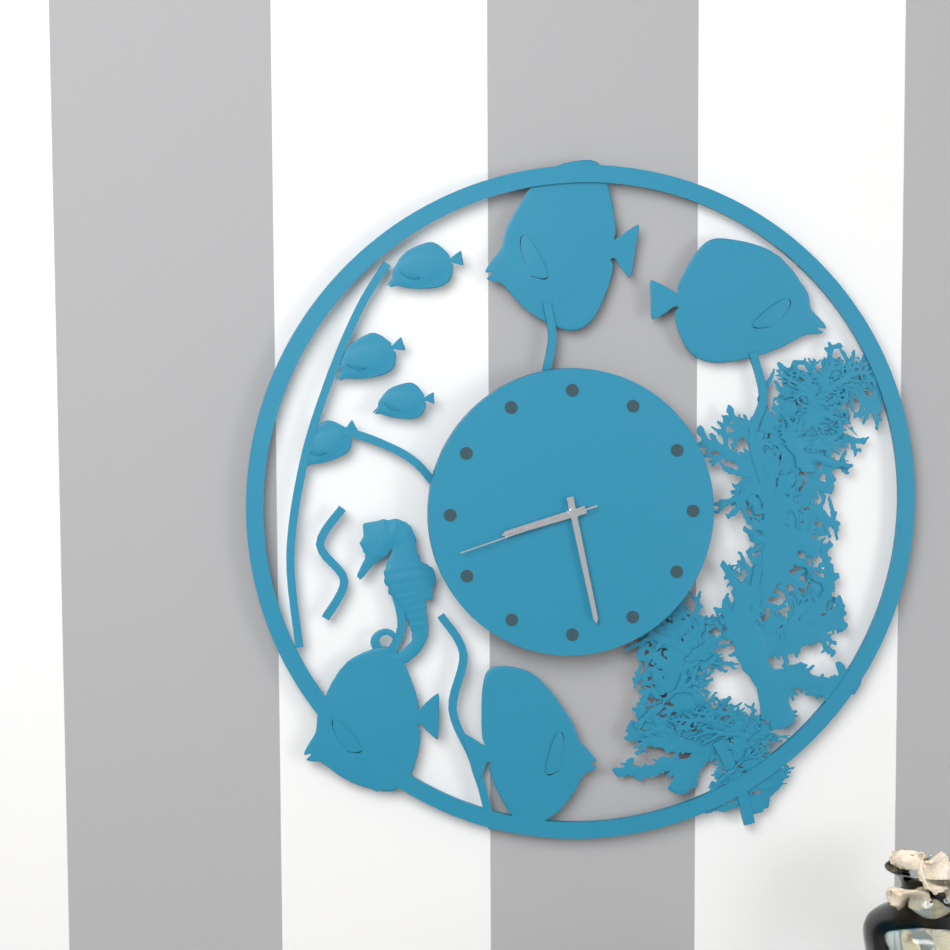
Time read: 8 h 28 min 42 s
